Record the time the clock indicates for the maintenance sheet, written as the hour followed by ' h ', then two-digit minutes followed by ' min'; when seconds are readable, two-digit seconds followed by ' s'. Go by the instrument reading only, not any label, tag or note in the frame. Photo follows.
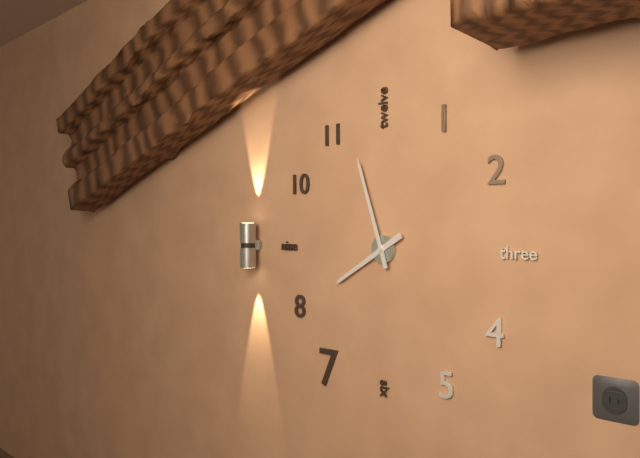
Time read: 7 h 57 min
